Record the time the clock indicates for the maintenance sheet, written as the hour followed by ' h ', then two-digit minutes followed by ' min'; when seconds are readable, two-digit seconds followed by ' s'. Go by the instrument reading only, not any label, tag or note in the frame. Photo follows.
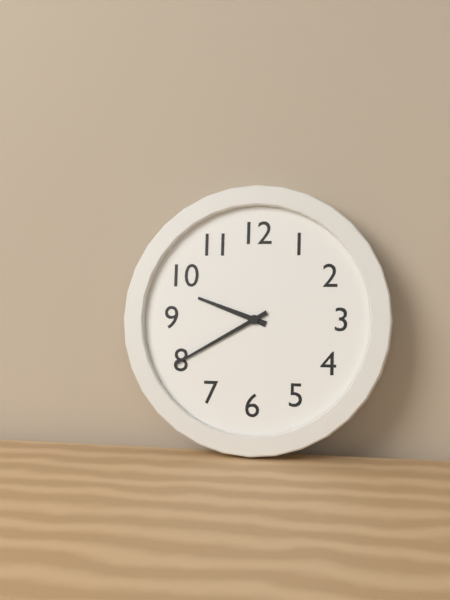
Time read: 9 h 40 min
